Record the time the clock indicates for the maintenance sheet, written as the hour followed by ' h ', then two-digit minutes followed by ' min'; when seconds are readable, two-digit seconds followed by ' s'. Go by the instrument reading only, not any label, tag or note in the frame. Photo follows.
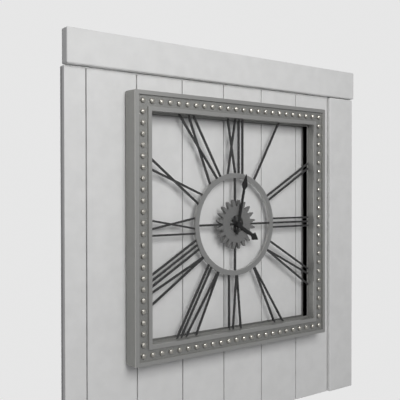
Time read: 4 h 02 min
